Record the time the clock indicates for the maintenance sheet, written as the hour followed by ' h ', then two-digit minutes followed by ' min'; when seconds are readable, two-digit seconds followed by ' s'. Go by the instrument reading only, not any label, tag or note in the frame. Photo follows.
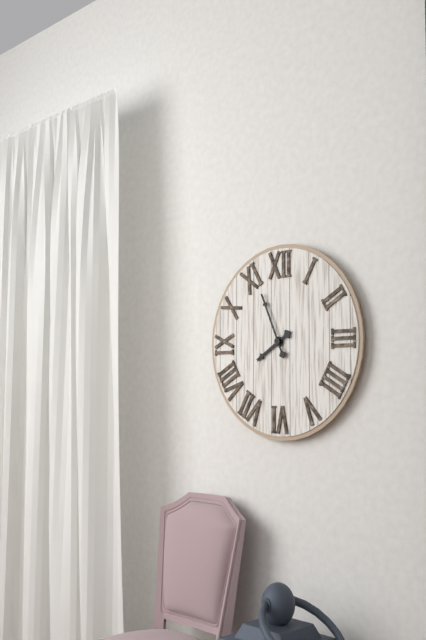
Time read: 7 h 56 min
